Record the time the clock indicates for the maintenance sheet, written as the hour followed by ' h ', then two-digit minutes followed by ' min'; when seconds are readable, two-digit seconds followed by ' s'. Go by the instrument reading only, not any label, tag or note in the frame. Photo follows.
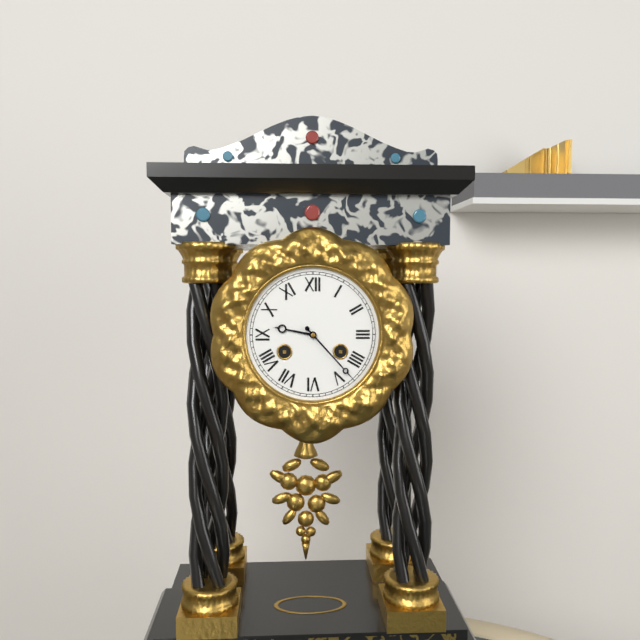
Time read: 9 h 23 min
